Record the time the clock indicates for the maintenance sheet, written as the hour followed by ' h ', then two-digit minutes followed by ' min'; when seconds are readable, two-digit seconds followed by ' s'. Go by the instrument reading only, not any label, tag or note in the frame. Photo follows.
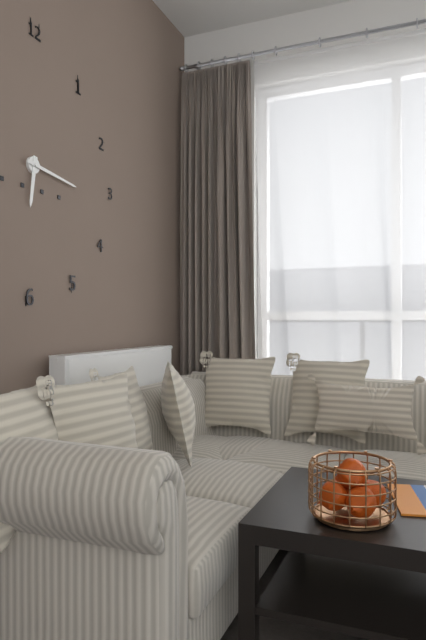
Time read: 6 h 16 min
